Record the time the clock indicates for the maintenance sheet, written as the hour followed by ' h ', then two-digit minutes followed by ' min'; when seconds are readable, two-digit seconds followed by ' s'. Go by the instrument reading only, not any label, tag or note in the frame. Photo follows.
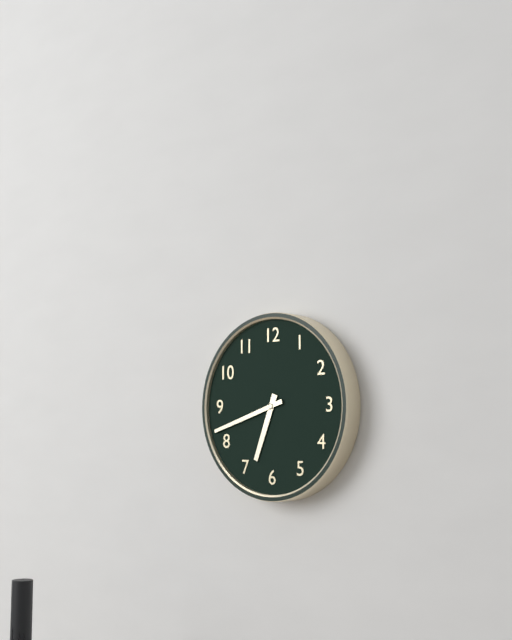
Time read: 6 h 42 min
